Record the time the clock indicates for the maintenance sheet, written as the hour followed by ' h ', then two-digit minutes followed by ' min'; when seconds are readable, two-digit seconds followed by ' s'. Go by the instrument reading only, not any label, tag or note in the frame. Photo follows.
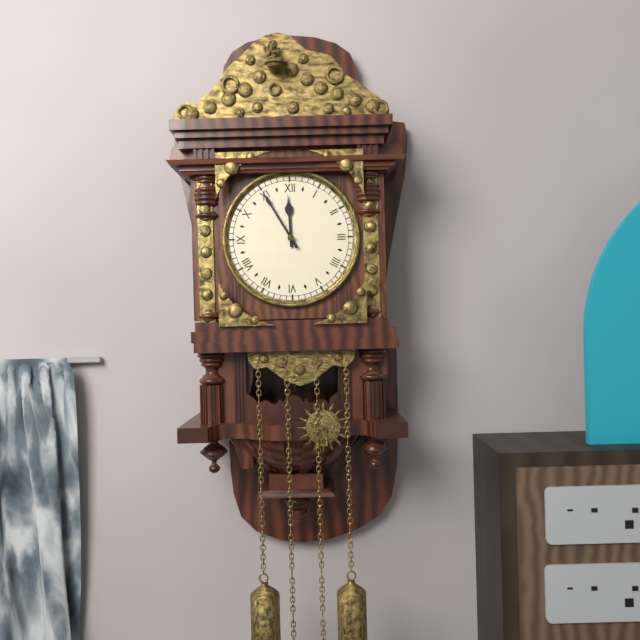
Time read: 11 h 55 min
